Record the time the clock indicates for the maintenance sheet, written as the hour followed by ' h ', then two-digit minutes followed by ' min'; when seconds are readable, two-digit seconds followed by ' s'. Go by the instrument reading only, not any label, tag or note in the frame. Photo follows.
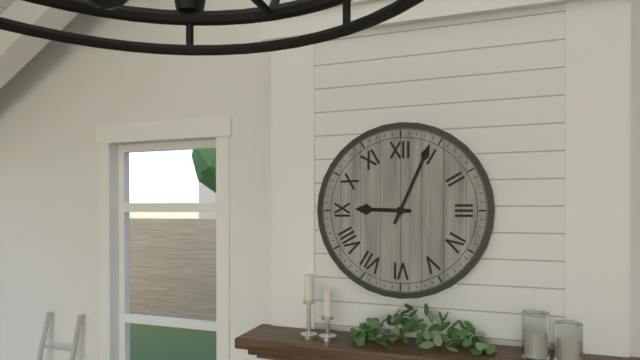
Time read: 9 h 04 min
